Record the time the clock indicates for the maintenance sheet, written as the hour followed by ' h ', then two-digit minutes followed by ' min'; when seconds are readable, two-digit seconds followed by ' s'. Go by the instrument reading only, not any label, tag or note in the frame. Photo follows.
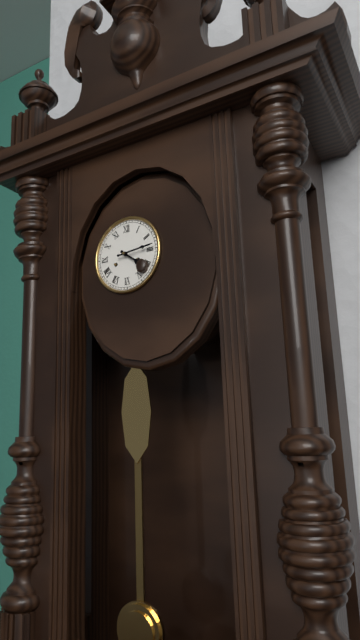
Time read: 4 h 14 min
